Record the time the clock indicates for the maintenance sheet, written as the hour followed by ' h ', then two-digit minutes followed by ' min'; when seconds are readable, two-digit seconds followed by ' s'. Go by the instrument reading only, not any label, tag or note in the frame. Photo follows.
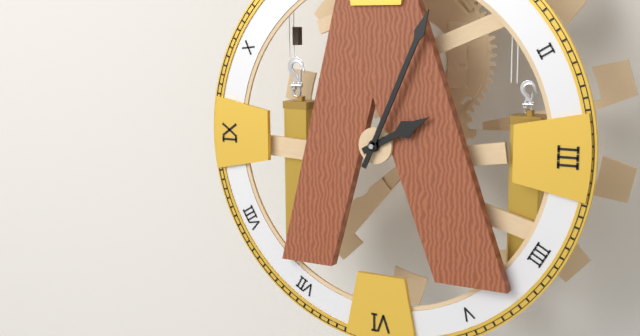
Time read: 2 h 04 min
